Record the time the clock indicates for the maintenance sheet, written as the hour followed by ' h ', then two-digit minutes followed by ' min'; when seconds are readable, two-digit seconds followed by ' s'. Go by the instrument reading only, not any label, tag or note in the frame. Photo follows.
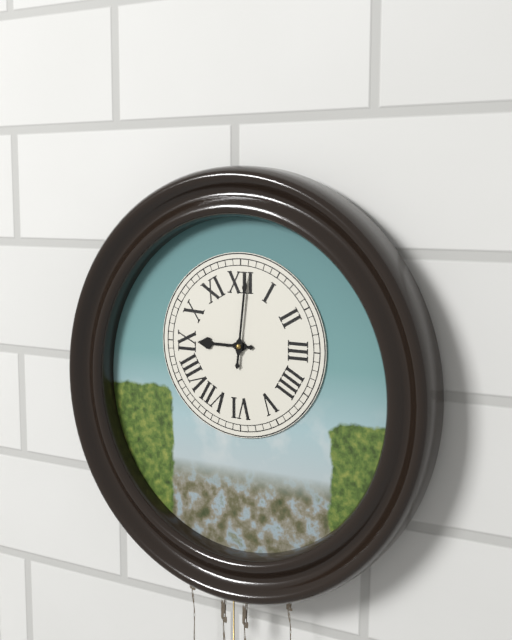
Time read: 9 h 01 min
